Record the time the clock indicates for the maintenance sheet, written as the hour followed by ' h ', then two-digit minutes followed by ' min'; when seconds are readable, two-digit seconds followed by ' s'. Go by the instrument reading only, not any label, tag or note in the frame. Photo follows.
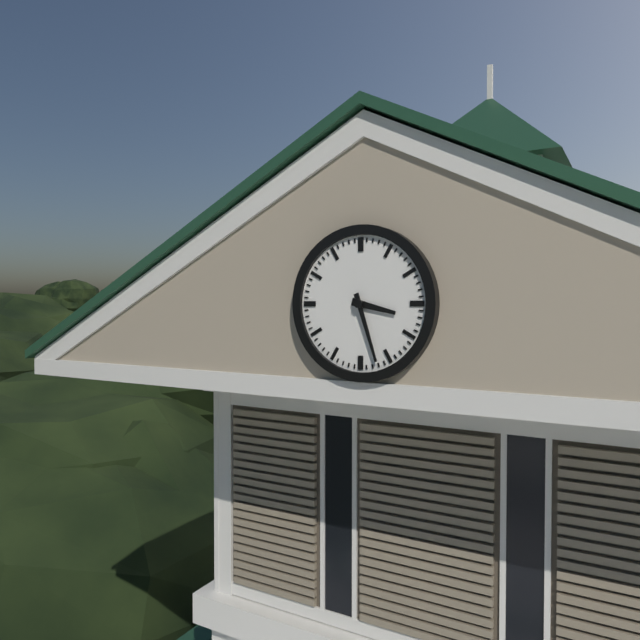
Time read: 3 h 27 min
